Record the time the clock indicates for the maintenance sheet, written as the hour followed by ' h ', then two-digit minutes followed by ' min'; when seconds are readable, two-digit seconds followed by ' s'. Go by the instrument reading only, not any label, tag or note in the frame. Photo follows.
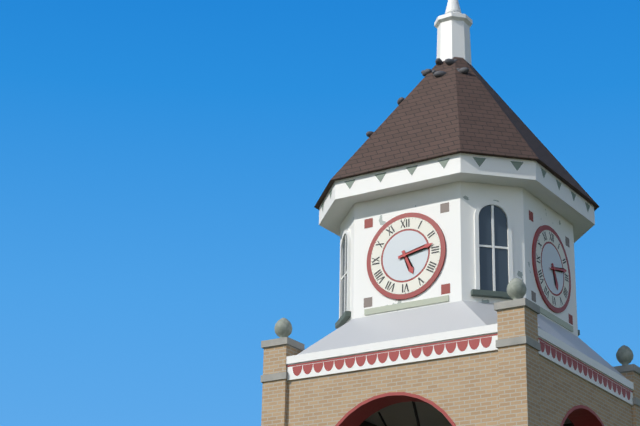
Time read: 5 h 13 min
